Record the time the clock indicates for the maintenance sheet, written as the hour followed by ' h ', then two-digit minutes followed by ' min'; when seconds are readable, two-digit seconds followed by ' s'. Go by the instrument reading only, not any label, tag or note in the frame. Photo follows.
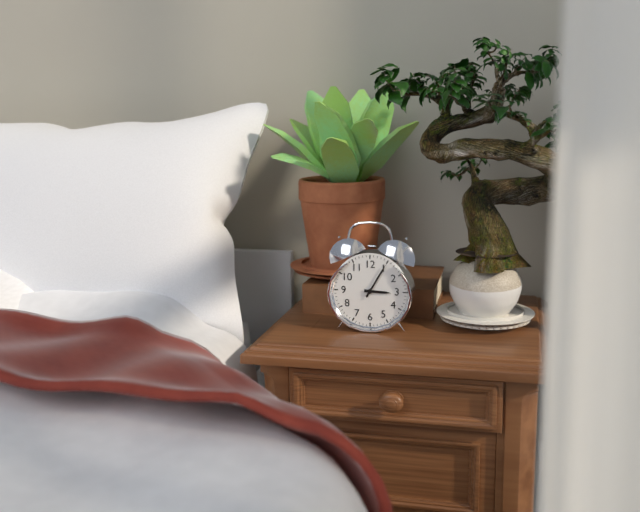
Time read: 3 h 05 min
